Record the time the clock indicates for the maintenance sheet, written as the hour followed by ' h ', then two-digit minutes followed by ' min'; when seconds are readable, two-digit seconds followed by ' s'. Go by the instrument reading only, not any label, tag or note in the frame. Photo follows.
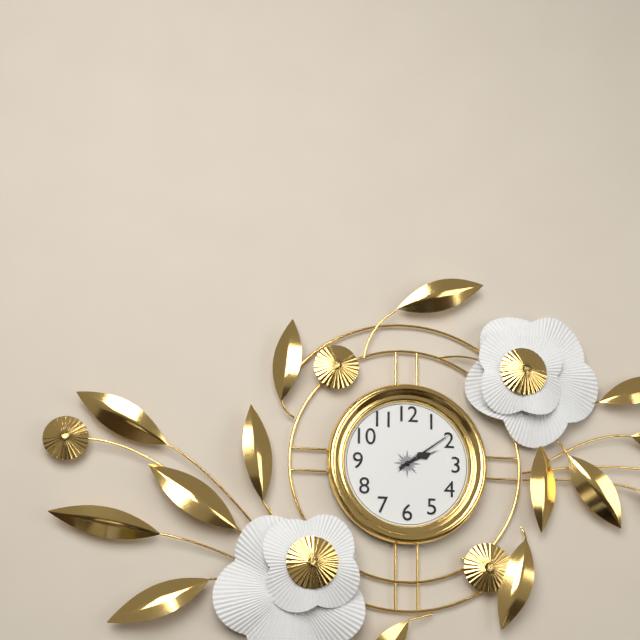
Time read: 2 h 09 min
